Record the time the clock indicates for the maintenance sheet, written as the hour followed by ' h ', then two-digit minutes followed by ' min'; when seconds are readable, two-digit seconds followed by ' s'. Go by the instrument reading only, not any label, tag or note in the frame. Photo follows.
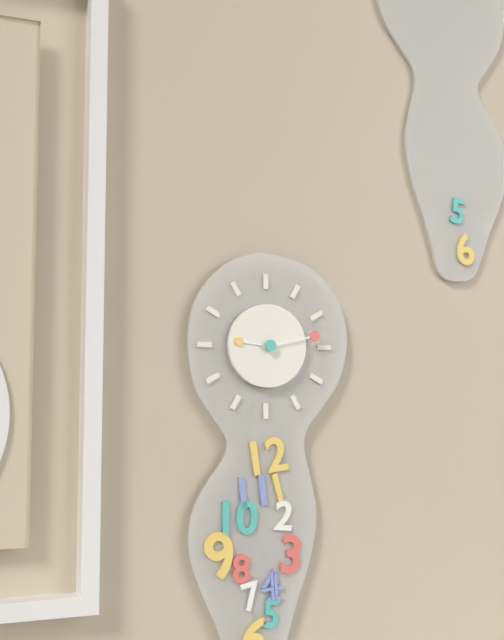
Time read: 9 h 13 min
